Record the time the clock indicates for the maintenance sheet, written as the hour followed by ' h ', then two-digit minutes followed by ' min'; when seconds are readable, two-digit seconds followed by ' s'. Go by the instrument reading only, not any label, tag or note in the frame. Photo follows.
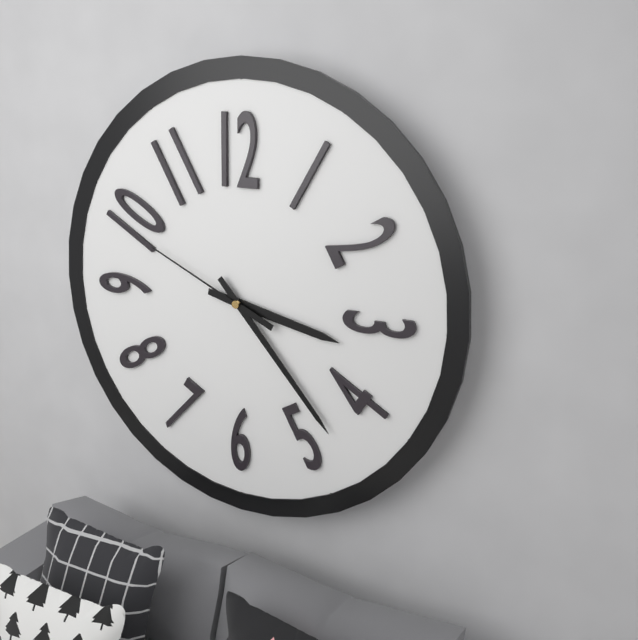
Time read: 3 h 23 min 49 s
